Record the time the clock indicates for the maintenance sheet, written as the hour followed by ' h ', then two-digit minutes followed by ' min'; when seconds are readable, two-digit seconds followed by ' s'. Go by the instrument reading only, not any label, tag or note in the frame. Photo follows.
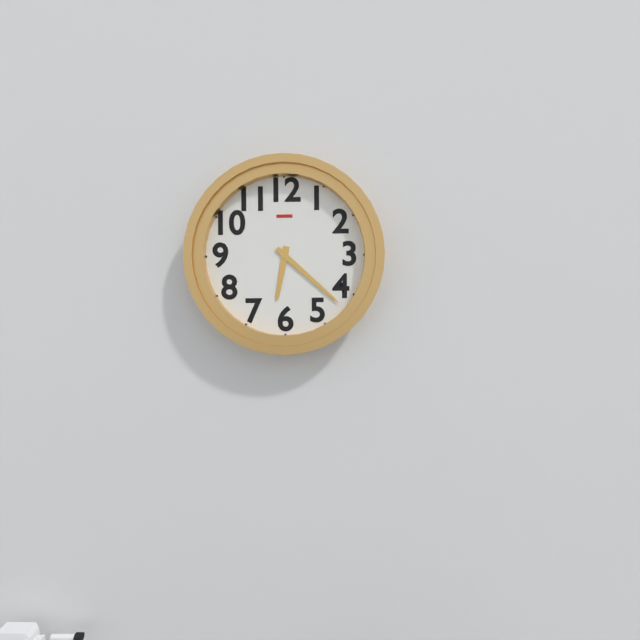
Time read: 6 h 22 min
